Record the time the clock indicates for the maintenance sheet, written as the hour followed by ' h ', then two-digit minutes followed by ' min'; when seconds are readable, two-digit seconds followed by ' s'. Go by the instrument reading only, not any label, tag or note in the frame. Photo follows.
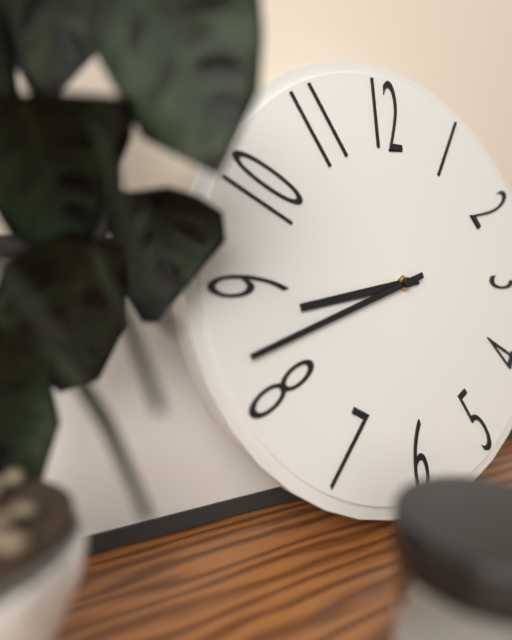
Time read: 8 h 42 min
